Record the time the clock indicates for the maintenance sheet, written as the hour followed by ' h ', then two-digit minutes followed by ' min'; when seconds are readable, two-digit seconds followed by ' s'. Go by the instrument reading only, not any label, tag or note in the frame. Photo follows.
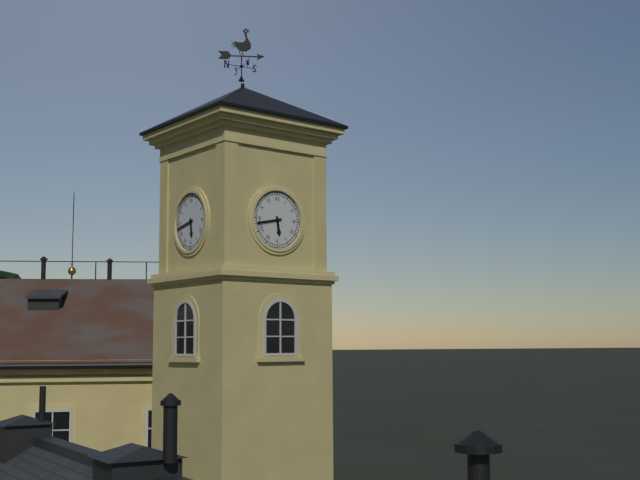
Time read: 5 h 43 min
